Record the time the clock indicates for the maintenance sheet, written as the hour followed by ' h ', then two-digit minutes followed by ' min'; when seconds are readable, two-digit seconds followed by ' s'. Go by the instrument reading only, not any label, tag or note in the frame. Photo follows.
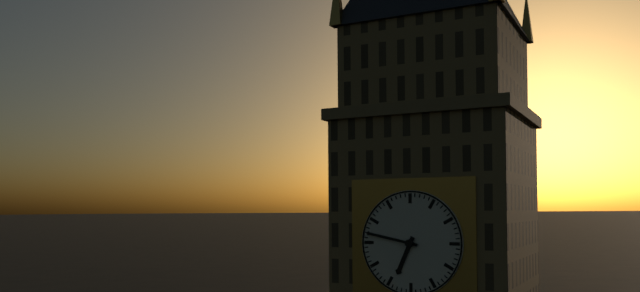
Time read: 6 h 47 min
